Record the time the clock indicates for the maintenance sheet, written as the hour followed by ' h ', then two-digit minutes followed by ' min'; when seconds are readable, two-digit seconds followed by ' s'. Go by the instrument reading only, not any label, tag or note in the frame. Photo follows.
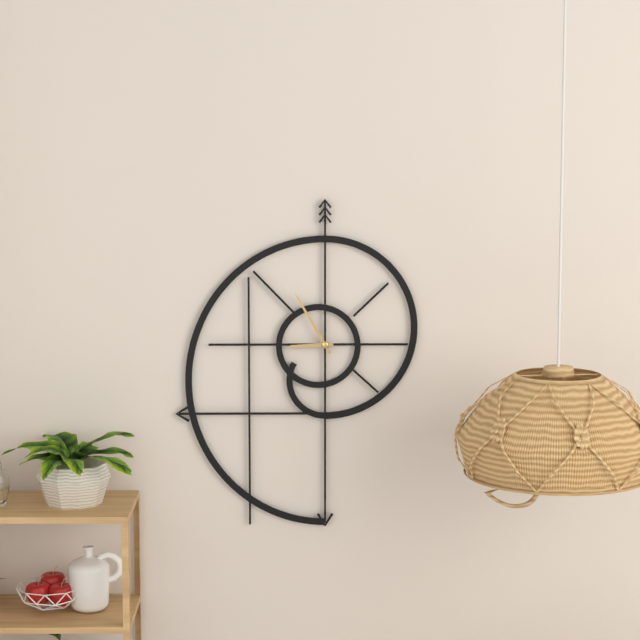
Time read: 8 h 55 min
